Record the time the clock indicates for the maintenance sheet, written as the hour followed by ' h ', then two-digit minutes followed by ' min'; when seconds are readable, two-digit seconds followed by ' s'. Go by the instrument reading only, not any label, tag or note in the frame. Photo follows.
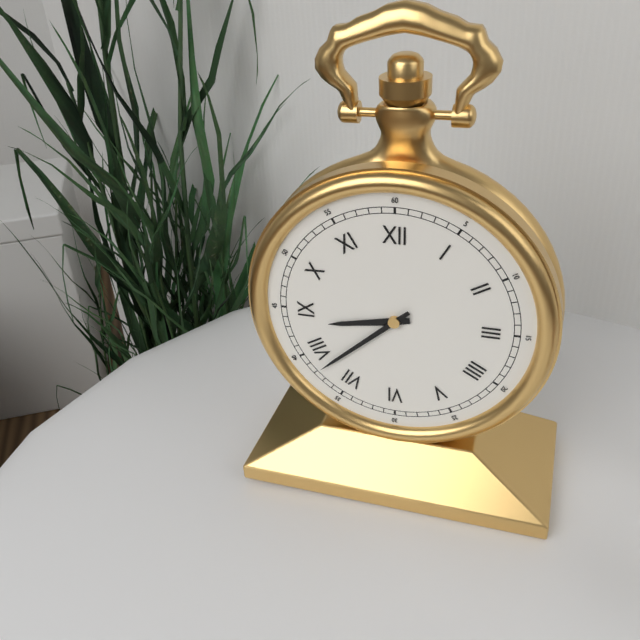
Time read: 8 h 38 min
